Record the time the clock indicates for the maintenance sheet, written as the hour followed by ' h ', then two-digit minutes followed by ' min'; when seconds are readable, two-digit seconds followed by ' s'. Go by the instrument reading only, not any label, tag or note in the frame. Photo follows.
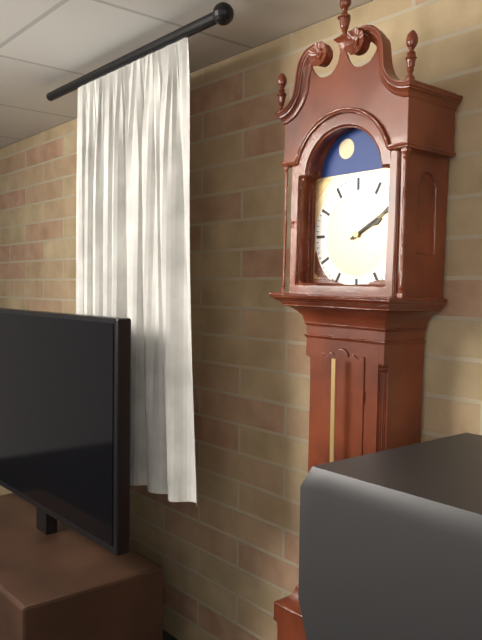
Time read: 2 h 10 min
